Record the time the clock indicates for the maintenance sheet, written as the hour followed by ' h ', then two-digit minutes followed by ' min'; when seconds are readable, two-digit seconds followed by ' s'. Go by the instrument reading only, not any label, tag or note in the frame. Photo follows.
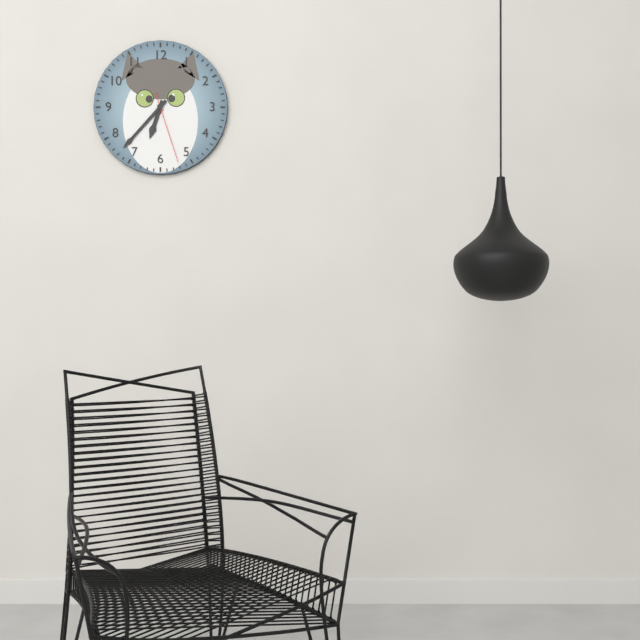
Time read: 6 h 37 min 27 s
